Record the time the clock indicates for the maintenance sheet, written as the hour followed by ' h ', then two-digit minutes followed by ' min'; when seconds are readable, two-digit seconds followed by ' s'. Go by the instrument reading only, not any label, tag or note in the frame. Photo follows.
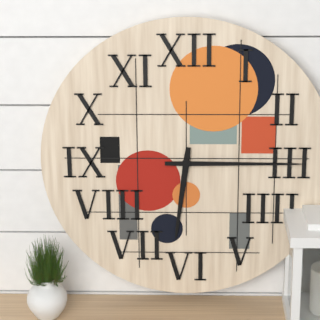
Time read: 6 h 15 min
